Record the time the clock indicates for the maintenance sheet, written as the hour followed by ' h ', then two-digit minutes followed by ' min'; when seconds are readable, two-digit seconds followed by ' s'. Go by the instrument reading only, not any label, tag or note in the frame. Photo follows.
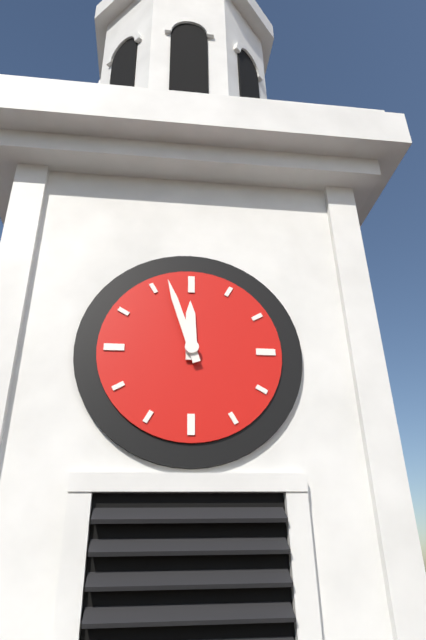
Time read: 11 h 57 min
